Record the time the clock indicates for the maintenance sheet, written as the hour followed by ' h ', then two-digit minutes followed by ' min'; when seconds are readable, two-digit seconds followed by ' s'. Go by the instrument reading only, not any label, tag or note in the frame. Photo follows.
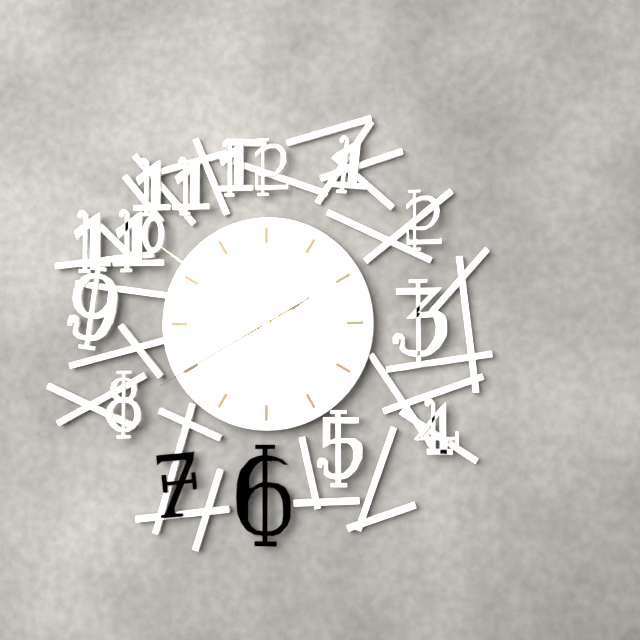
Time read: 1 h 51 min 40 s
